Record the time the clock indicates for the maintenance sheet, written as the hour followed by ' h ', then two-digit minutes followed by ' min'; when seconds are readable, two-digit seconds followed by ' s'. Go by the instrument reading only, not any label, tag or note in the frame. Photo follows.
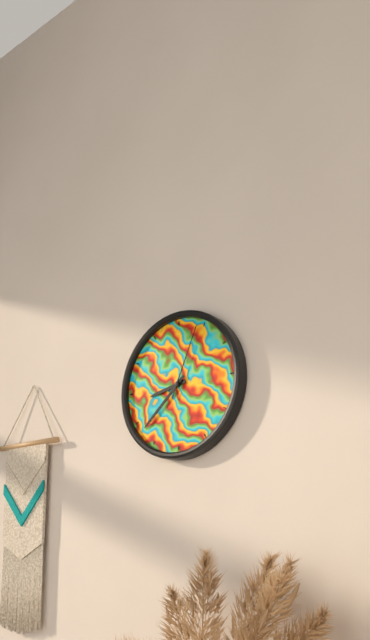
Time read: 8 h 38 min 04 s
